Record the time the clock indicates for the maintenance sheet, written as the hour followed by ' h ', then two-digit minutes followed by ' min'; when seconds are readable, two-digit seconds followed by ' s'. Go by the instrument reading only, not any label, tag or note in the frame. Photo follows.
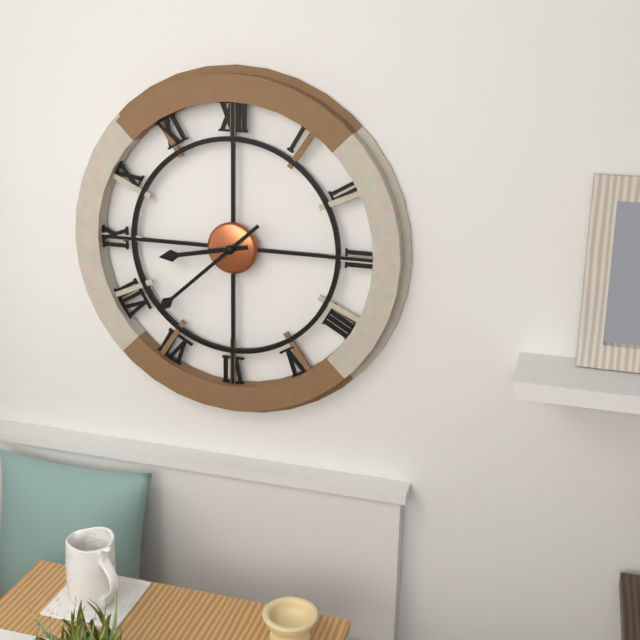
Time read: 8 h 38 min
